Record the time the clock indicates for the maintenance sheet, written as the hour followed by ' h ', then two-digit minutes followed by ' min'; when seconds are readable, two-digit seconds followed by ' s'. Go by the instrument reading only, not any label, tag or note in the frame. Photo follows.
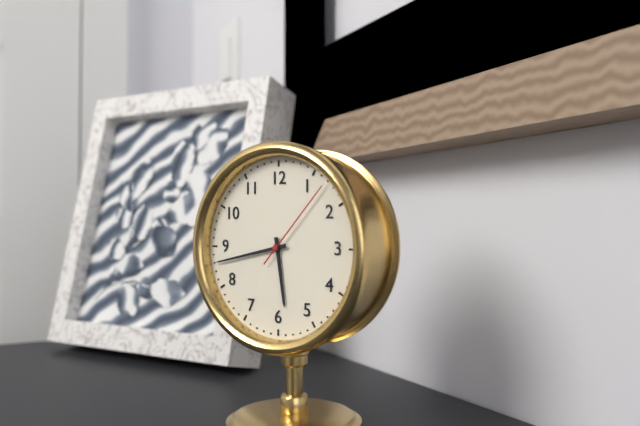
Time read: 5 h 43 min 07 s
